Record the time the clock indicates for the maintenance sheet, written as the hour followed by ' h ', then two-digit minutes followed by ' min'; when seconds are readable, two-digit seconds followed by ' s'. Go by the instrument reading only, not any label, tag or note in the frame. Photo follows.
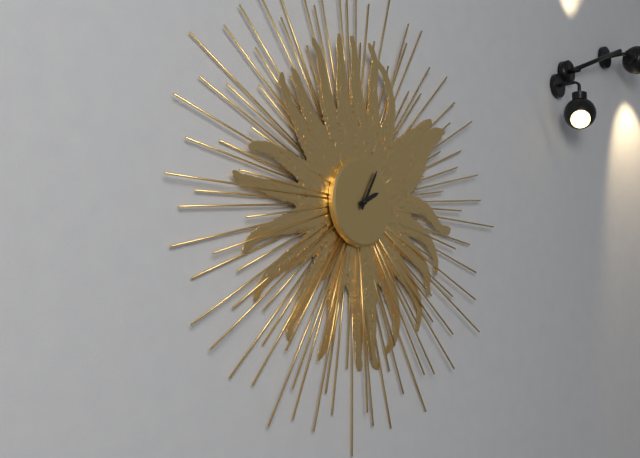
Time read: 2 h 05 min
